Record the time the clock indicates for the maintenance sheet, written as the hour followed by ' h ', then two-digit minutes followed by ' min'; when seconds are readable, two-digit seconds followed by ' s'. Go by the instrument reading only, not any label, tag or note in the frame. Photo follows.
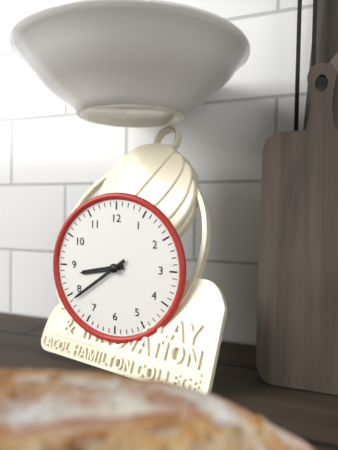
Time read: 8 h 39 min
